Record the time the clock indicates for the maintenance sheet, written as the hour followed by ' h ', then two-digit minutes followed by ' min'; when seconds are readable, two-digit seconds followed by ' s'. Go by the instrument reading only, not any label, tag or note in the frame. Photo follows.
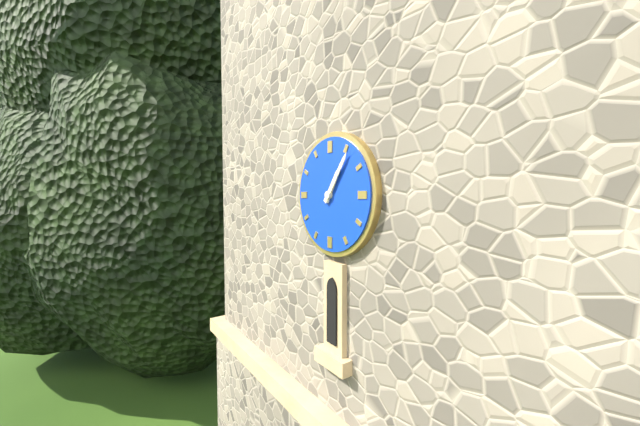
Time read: 1 h 06 min
